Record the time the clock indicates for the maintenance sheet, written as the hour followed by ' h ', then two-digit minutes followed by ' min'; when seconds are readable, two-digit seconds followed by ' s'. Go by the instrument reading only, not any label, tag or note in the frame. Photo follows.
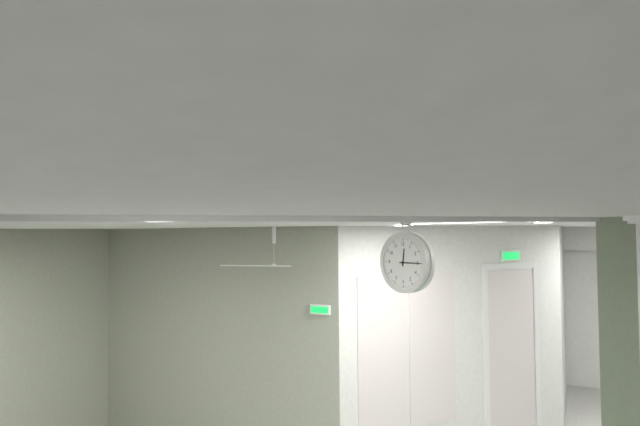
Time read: 12 h 15 min
